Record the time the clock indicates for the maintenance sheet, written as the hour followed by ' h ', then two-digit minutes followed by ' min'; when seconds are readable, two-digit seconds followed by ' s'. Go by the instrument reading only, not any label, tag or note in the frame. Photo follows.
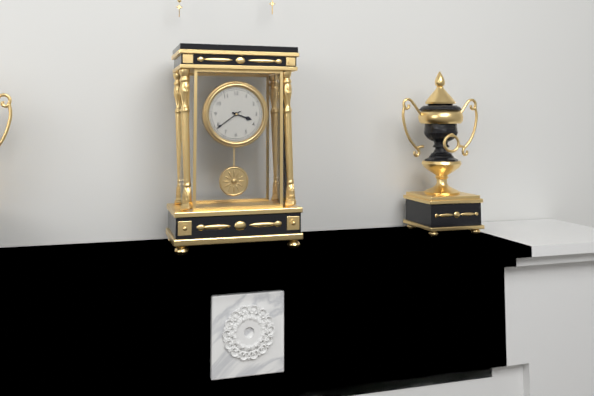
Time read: 3 h 39 min
